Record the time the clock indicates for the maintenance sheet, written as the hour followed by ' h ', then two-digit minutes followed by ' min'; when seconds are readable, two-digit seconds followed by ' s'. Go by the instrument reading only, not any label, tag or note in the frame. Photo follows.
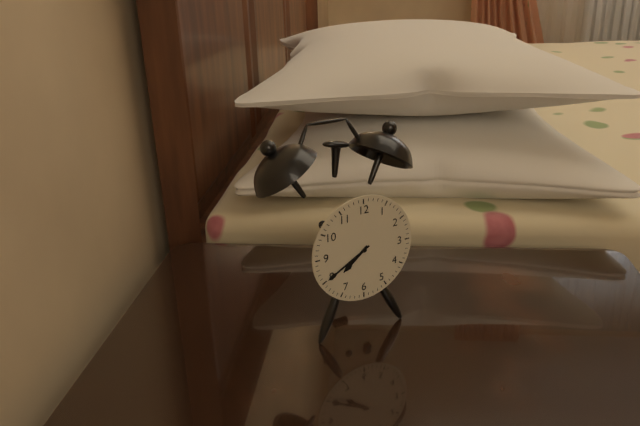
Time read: 7 h 40 min
